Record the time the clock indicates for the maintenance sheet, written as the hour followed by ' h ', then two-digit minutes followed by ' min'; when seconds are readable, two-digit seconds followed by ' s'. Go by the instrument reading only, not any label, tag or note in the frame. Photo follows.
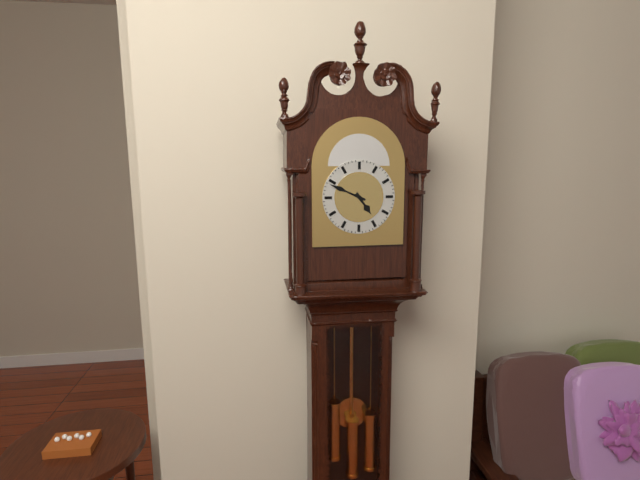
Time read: 4 h 49 min
